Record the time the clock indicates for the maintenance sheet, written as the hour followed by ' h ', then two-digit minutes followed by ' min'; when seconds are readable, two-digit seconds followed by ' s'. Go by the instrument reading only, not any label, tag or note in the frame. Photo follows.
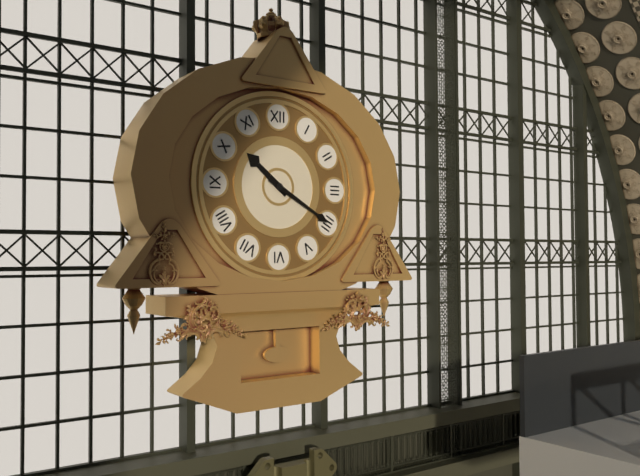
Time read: 10 h 20 min
